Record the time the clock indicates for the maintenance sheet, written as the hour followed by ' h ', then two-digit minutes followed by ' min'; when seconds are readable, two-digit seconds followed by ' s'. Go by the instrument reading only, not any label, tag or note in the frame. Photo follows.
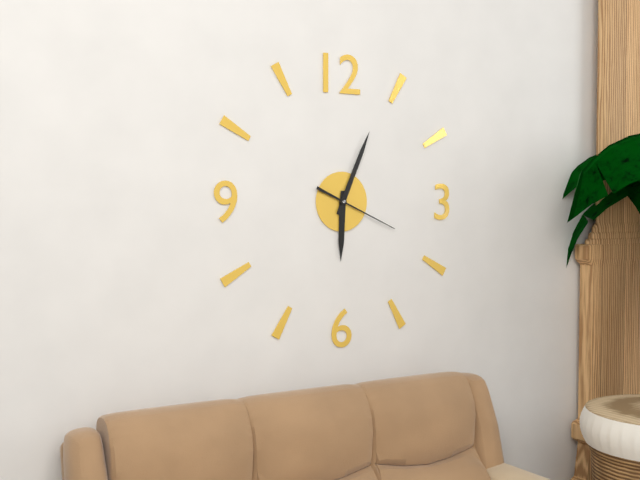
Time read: 6 h 04 min 19 s
